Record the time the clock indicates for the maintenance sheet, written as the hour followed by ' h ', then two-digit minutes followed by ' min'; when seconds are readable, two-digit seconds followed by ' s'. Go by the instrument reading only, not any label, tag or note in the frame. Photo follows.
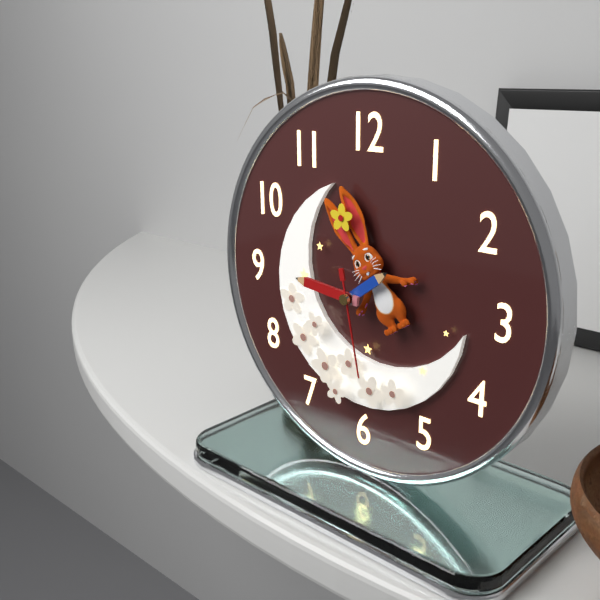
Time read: 1 h 46 min 28 s
